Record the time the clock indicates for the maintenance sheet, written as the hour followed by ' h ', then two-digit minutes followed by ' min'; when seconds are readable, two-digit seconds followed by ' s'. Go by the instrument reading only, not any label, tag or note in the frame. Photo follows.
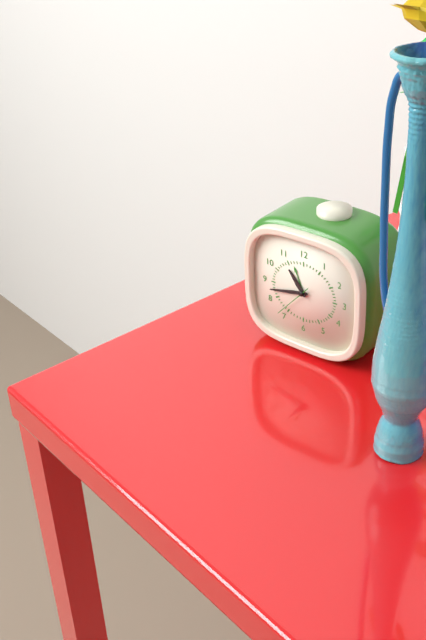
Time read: 10 h 43 min
